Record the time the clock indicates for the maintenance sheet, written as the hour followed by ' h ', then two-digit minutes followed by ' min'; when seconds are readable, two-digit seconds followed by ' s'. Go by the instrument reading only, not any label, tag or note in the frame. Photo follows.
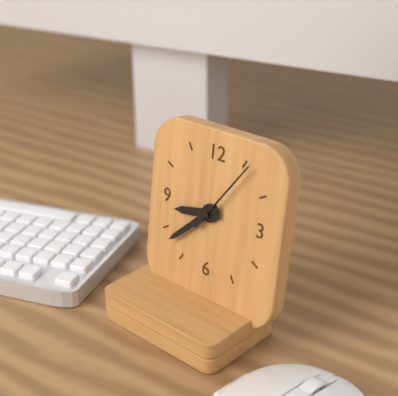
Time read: 8 h 38 min 06 s
